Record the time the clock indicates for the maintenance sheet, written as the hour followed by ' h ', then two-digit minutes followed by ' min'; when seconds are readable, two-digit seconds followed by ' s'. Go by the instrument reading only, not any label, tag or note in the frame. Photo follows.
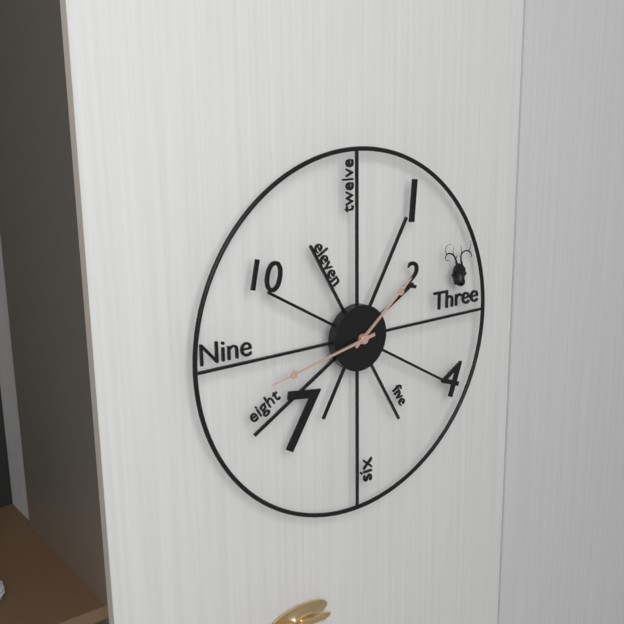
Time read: 1 h 43 min
